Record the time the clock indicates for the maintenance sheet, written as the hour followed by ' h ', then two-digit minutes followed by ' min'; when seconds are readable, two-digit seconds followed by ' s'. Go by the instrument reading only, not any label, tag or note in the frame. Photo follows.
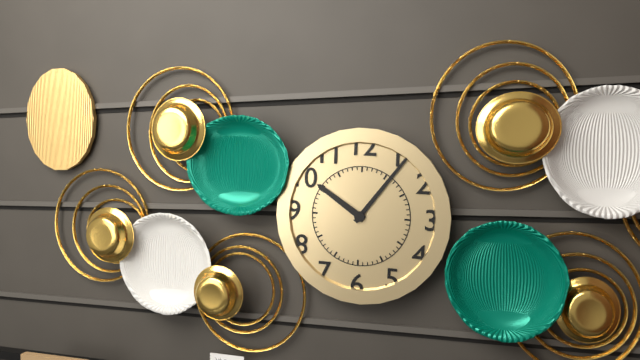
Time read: 10 h 06 min
